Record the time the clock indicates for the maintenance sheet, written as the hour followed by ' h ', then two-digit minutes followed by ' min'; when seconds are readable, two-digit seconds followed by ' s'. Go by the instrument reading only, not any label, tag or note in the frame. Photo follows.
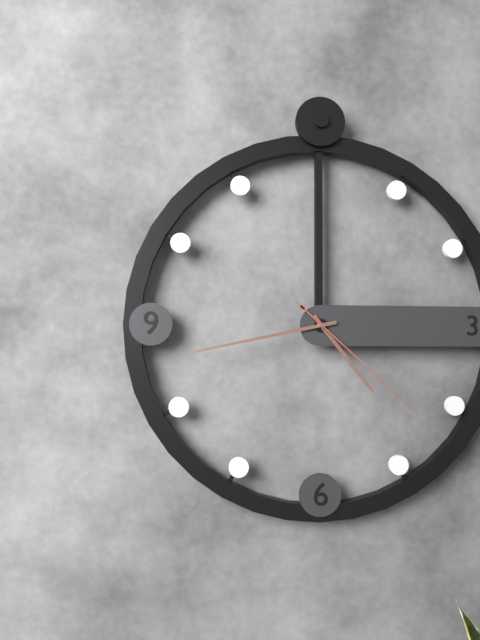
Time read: 4 h 43 min 22 s
